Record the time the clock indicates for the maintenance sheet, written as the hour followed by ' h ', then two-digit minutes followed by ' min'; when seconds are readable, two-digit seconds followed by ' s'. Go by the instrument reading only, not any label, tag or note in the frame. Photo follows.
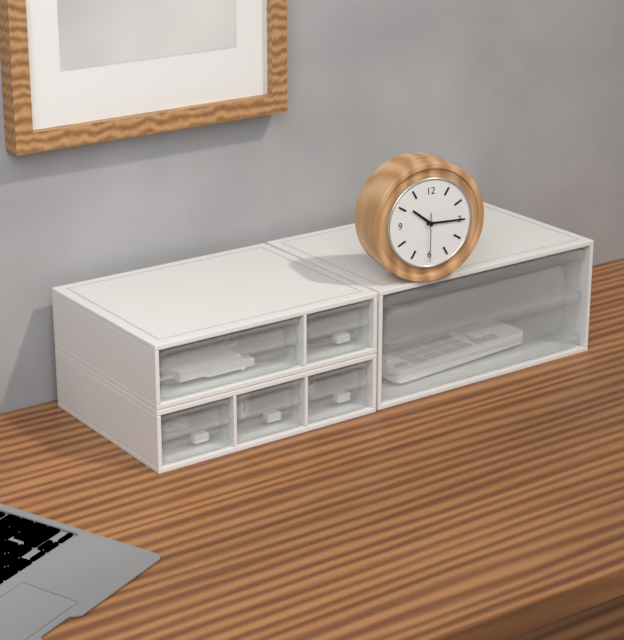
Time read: 10 h 15 min
